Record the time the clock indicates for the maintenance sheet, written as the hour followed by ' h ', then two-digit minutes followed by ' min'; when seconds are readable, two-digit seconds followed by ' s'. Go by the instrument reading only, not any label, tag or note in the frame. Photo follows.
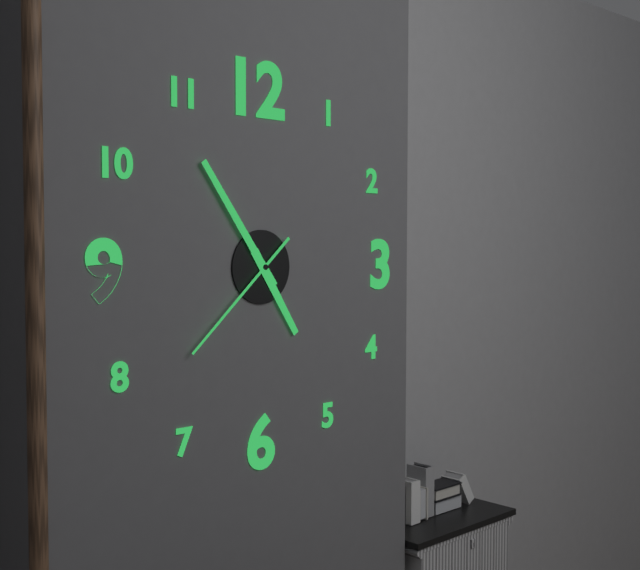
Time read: 4 h 54 min 38 s
